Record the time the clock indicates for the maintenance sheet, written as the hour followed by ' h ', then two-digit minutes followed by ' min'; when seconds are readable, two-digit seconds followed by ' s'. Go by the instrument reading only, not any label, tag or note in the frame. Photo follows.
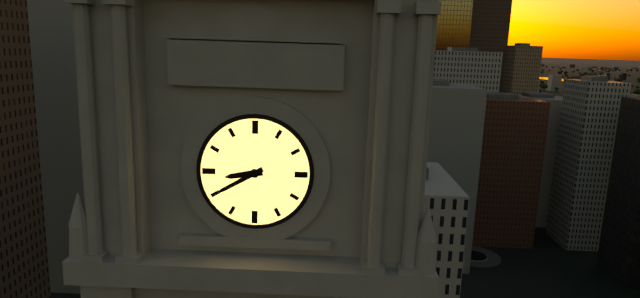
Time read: 8 h 40 min
